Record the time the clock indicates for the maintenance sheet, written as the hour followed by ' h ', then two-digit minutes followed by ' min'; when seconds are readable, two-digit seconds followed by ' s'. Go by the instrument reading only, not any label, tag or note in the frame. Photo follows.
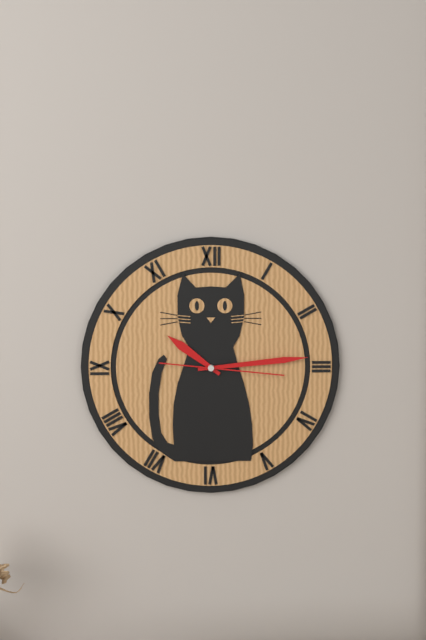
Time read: 10 h 14 min 16 s
